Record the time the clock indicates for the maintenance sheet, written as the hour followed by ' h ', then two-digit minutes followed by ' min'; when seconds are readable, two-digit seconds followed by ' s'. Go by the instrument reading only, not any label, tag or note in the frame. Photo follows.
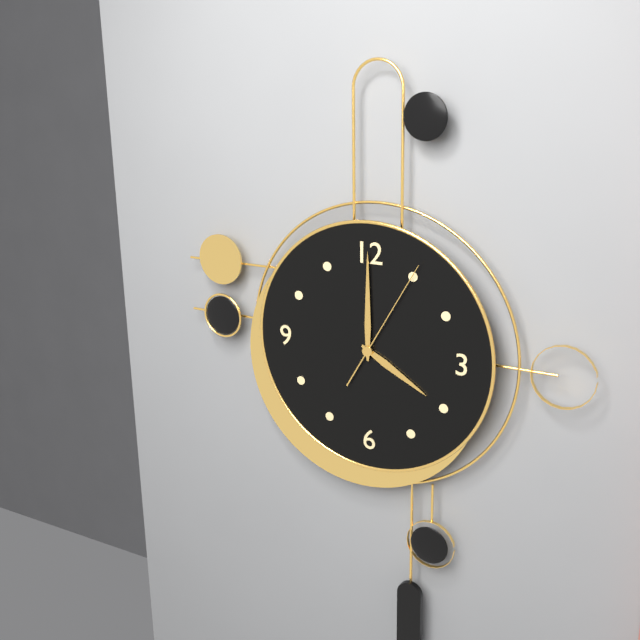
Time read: 4 h 00 min 05 s
